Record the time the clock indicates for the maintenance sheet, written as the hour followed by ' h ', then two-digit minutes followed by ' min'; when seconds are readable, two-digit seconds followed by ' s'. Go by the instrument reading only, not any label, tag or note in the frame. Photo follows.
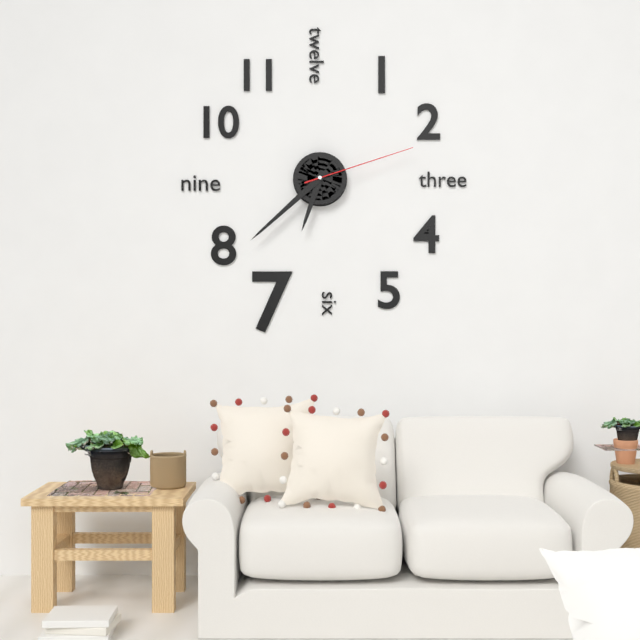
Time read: 6 h 38 min 12 s
